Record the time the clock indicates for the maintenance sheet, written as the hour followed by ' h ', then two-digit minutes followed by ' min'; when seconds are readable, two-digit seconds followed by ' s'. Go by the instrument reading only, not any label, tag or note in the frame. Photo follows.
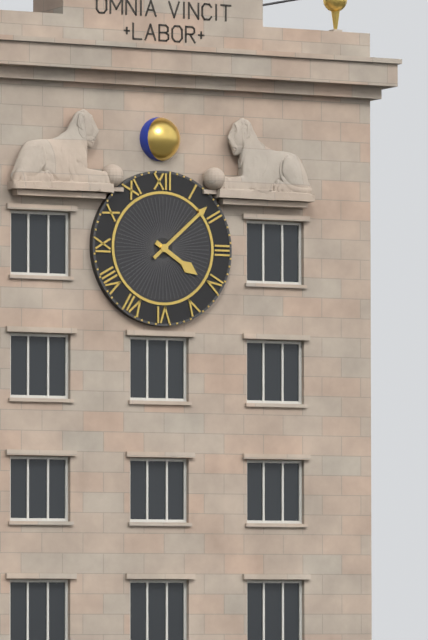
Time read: 4 h 08 min
